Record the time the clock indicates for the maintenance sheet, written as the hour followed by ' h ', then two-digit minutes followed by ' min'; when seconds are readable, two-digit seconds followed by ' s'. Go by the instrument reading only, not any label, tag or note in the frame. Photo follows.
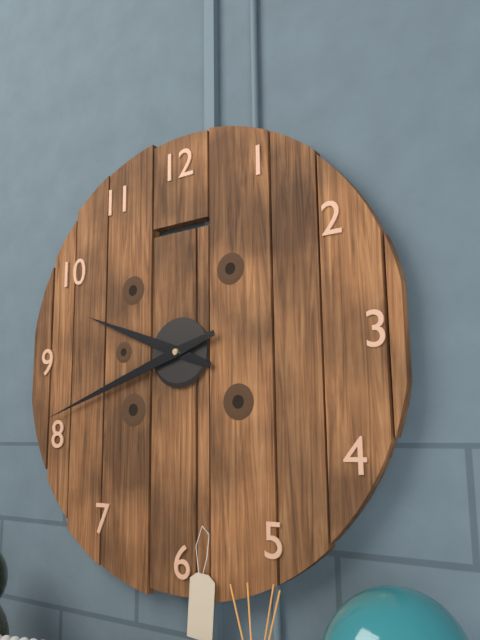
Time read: 9 h 42 min
